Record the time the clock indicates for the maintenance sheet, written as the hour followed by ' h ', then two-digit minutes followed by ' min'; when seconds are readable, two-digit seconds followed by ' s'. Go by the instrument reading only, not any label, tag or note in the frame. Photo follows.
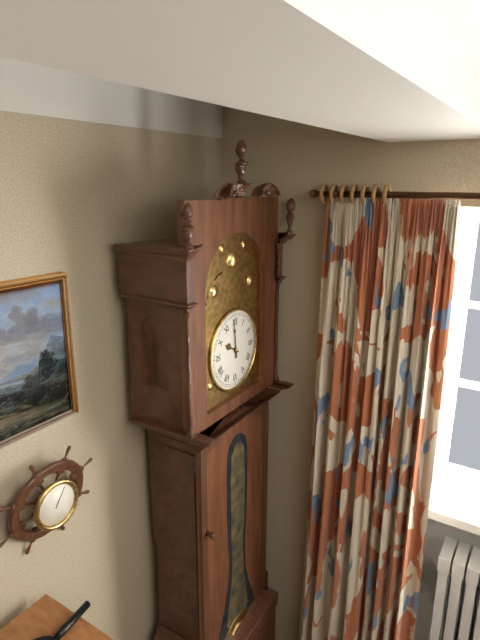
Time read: 9 h 59 min
